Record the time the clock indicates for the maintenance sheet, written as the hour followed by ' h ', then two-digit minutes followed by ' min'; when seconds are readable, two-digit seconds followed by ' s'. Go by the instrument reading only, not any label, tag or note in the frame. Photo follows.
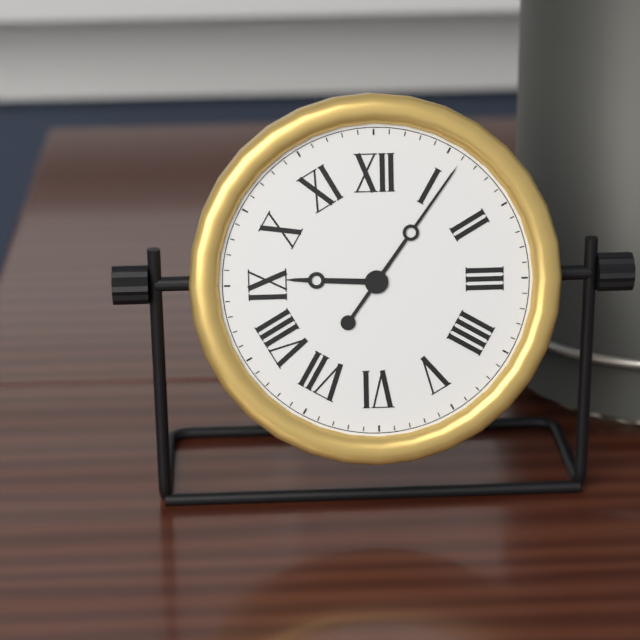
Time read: 9 h 06 min
